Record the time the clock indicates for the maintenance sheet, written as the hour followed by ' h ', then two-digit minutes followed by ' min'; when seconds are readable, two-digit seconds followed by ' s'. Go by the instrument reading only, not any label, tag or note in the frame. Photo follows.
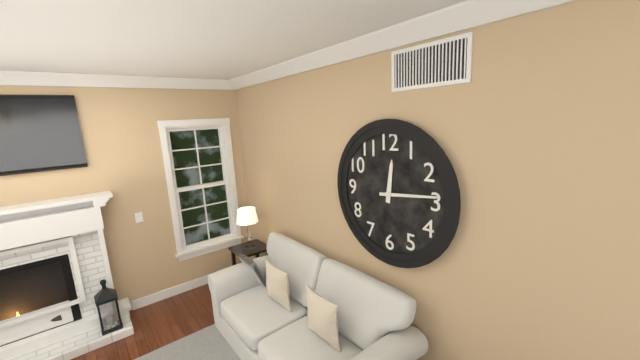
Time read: 12 h 14 min
